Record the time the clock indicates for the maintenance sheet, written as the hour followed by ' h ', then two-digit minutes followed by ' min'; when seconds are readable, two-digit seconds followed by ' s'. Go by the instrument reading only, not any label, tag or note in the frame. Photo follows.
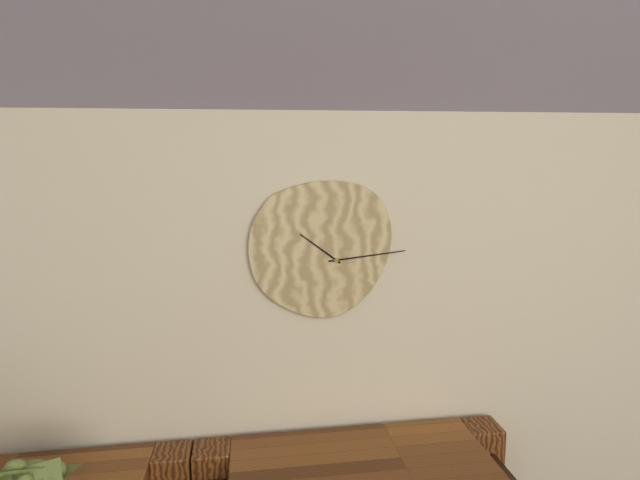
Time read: 10 h 14 min
